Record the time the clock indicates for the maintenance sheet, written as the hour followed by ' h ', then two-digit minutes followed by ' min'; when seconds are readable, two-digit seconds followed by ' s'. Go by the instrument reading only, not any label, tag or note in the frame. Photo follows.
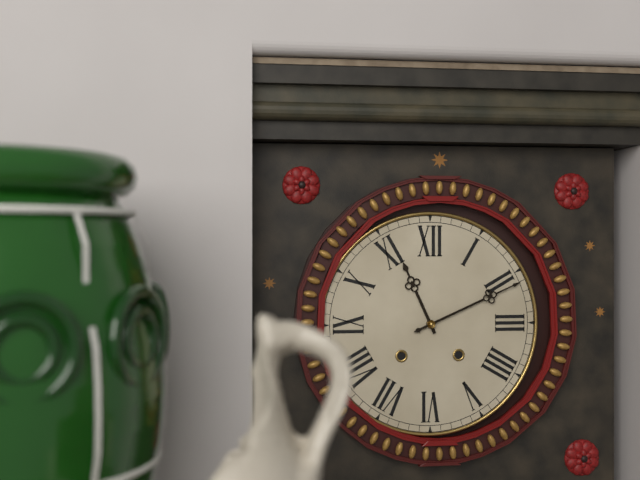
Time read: 11 h 11 min
